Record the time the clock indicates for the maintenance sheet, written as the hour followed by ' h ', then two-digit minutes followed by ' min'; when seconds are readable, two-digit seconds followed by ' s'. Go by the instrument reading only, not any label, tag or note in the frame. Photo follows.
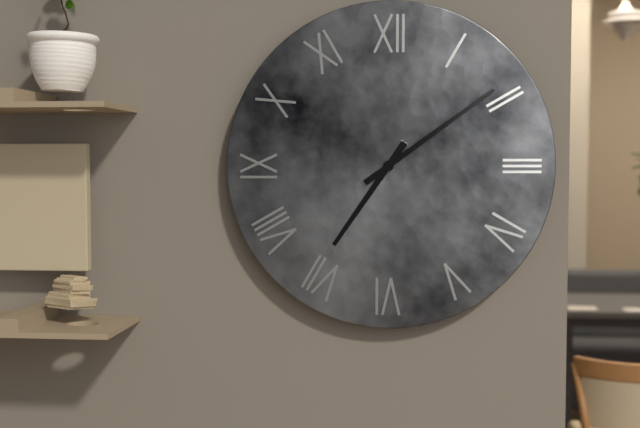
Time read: 7 h 09 min
